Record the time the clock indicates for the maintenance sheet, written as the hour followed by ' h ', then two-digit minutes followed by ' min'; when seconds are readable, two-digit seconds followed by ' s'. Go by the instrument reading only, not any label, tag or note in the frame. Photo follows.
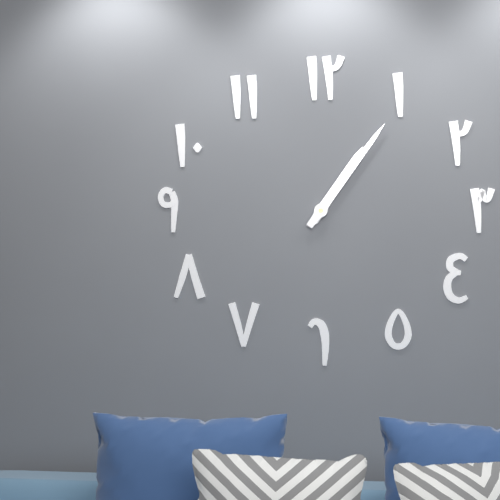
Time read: 1 h 06 min
